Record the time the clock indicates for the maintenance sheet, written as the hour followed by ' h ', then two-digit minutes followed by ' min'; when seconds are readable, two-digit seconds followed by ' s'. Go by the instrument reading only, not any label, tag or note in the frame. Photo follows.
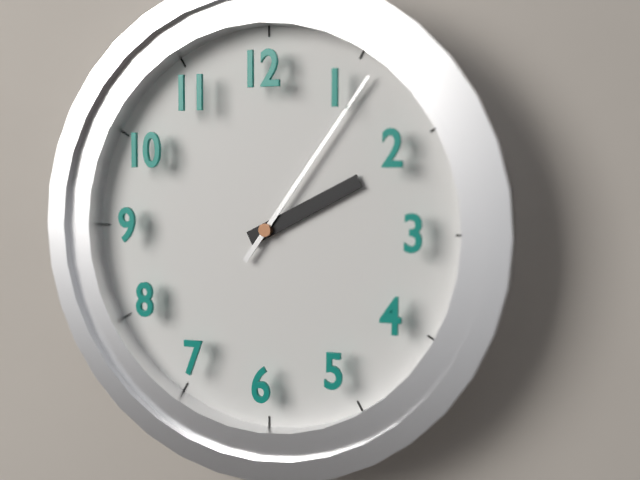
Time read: 2 h 06 min
